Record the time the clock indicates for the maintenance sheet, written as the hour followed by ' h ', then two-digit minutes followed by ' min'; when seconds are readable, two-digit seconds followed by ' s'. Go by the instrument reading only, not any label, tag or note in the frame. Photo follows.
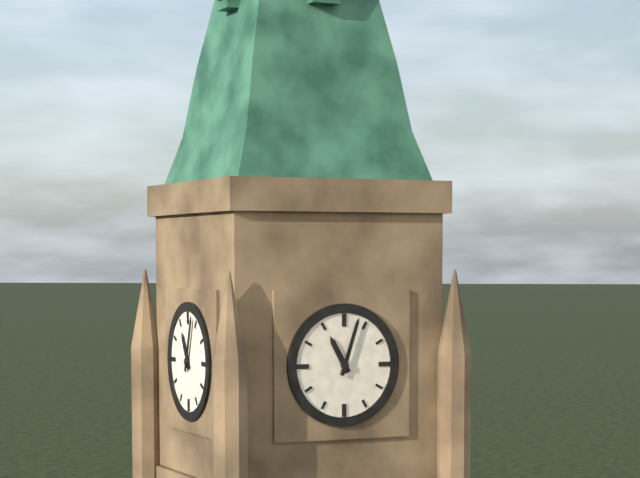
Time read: 11 h 03 min
